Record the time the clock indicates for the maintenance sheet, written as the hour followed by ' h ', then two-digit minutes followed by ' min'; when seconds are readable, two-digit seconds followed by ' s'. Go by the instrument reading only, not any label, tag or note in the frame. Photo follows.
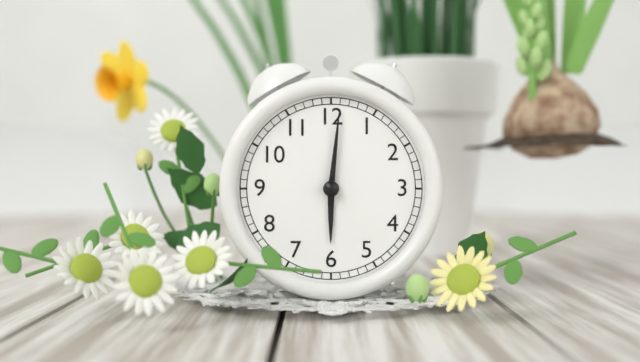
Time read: 6 h 01 min
